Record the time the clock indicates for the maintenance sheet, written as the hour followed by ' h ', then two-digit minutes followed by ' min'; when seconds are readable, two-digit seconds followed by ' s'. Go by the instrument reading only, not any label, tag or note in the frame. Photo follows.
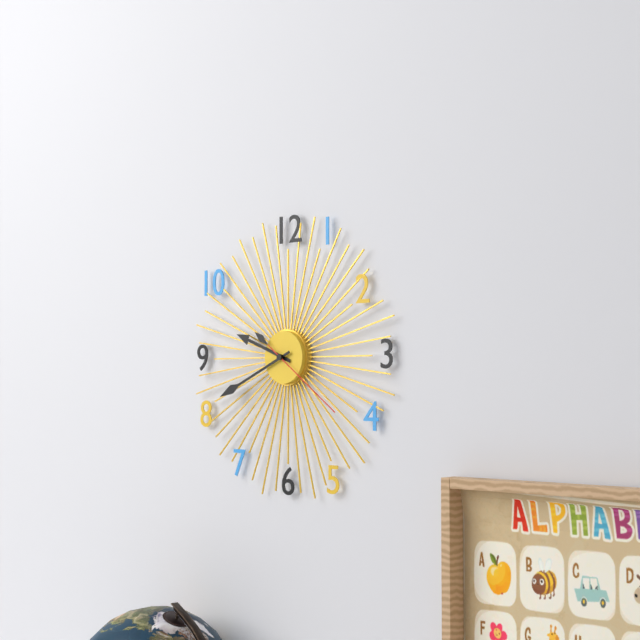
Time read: 9 h 41 min 21 s
